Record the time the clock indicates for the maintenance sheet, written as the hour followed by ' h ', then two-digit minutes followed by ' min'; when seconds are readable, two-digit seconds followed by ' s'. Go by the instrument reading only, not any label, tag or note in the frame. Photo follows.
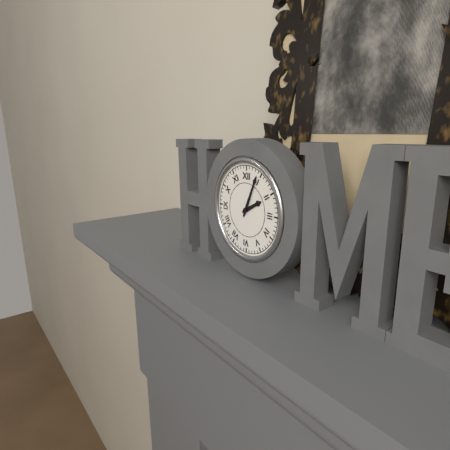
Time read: 2 h 04 min
